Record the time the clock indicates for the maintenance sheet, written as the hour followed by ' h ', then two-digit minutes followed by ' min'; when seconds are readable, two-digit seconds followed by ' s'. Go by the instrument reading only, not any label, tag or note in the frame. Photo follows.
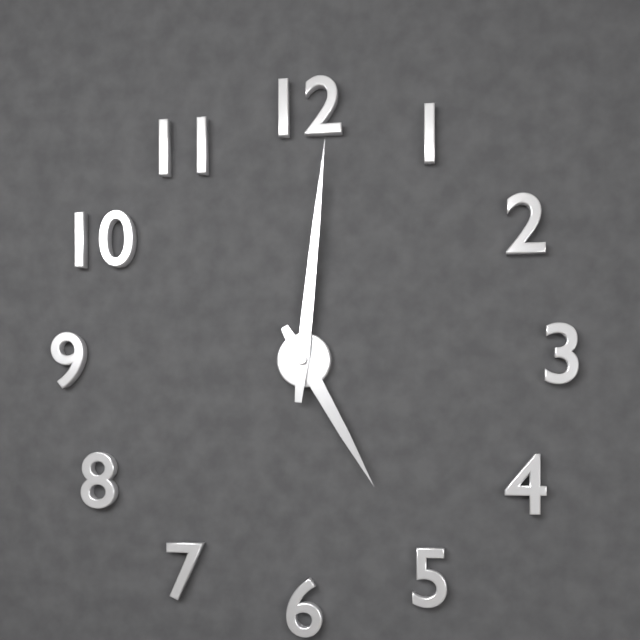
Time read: 5 h 01 min
